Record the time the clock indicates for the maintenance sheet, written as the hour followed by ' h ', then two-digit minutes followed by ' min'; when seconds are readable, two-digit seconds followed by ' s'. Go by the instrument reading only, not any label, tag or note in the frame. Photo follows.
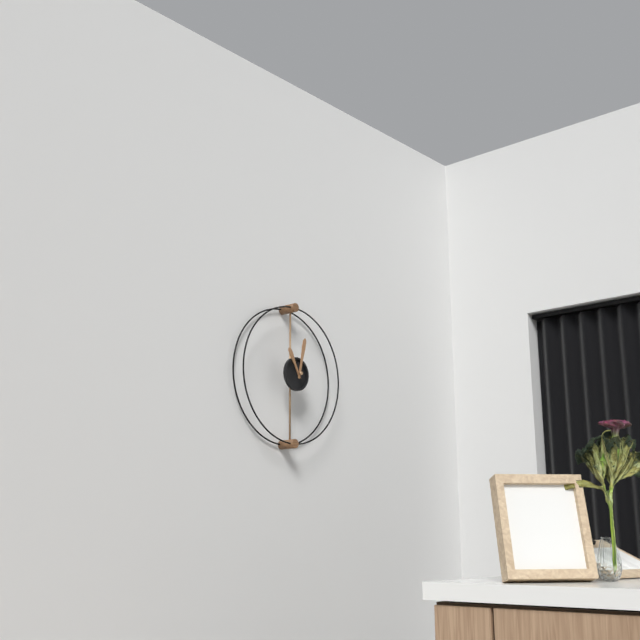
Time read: 11 h 02 min
